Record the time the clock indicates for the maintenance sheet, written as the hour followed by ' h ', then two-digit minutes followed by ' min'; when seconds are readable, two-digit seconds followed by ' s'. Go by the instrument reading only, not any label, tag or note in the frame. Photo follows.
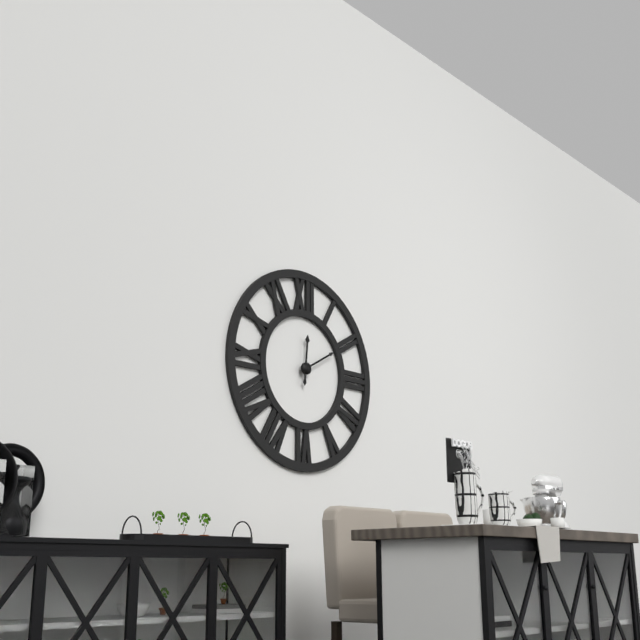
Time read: 12 h 10 min
